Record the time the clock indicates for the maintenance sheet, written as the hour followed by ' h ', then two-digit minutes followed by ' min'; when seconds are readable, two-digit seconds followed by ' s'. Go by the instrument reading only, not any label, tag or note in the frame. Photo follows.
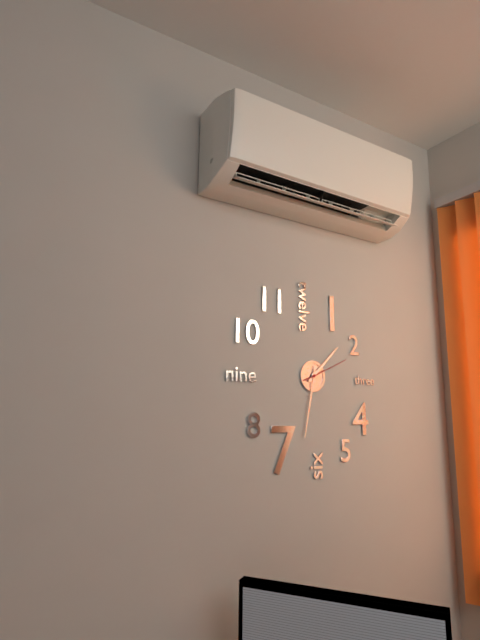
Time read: 1 h 32 min
